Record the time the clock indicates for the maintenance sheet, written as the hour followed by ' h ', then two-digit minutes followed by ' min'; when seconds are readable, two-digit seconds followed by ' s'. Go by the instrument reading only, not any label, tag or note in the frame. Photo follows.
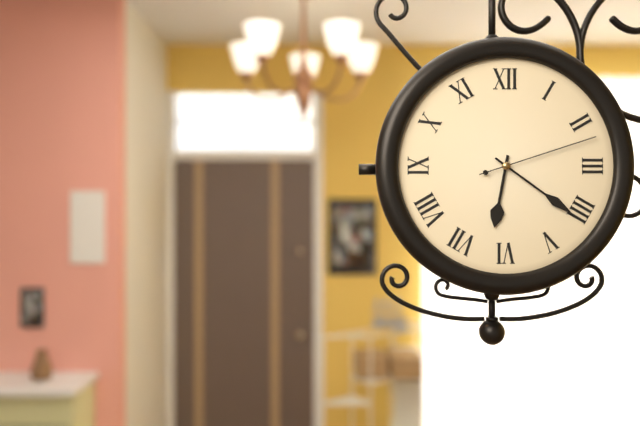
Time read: 6 h 21 min 12 s
